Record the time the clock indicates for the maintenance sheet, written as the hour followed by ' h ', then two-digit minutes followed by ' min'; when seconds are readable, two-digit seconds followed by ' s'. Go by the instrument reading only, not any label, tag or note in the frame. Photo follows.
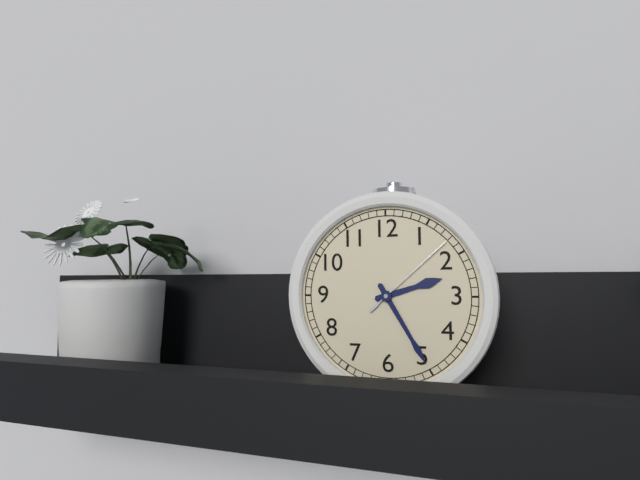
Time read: 2 h 25 min 08 s
